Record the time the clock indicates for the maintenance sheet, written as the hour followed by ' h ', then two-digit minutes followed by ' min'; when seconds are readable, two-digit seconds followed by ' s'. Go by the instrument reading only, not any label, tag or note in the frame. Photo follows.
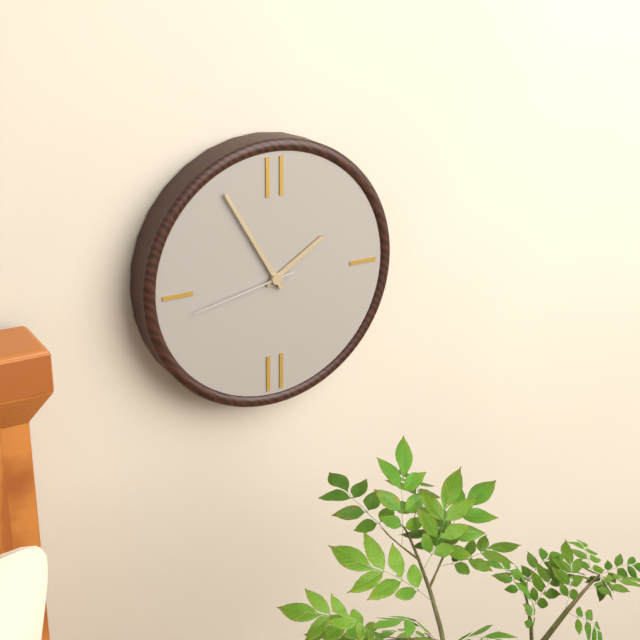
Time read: 1 h 55 min 43 s
